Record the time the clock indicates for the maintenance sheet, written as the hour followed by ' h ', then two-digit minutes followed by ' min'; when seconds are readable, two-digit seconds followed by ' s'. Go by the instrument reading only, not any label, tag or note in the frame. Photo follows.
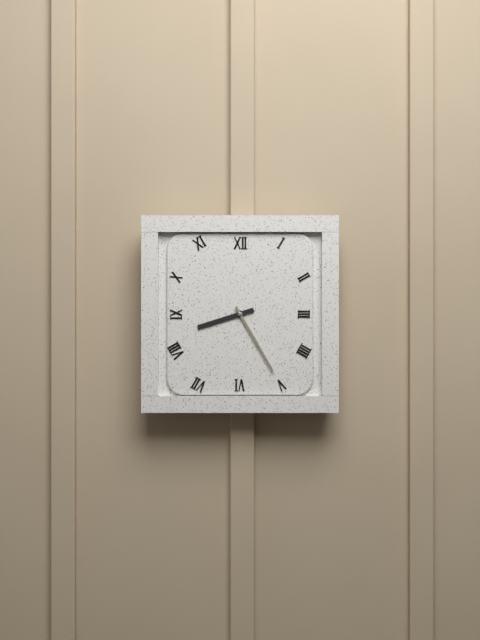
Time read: 8 h 25 min
